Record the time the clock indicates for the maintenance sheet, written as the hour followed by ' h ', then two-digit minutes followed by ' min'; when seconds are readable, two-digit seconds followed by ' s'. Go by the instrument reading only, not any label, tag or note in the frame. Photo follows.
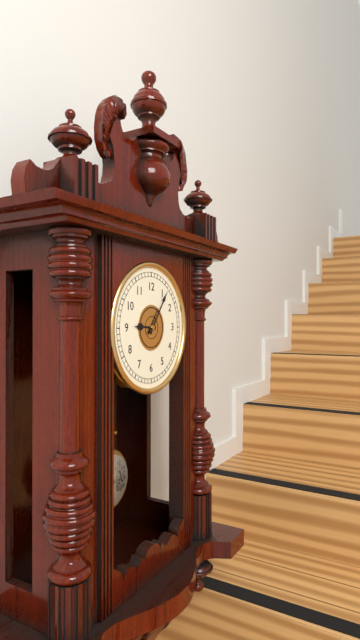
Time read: 9 h 06 min
